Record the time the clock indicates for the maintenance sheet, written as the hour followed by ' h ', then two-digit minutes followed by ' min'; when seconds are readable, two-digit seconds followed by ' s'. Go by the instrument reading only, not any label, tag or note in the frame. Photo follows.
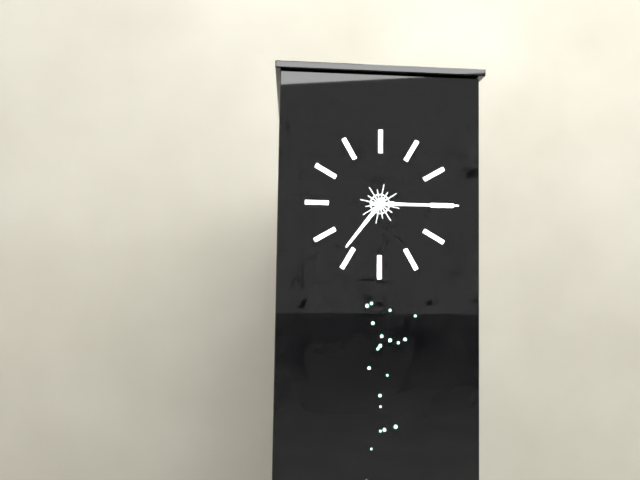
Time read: 7 h 15 min
